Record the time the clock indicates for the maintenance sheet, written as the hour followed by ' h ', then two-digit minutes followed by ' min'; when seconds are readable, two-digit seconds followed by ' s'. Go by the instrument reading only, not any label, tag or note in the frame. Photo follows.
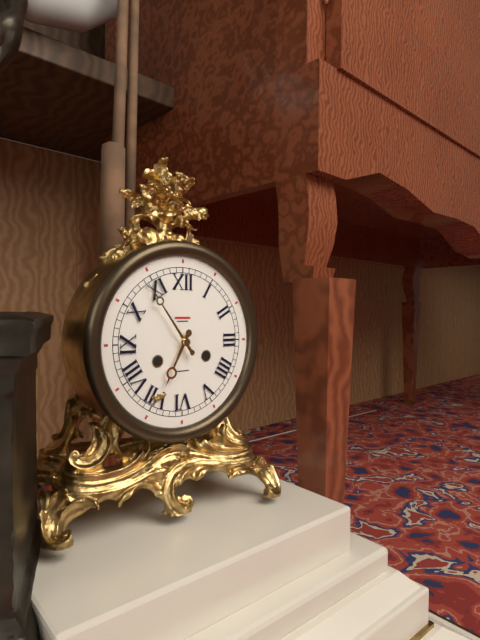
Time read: 6 h 54 min
